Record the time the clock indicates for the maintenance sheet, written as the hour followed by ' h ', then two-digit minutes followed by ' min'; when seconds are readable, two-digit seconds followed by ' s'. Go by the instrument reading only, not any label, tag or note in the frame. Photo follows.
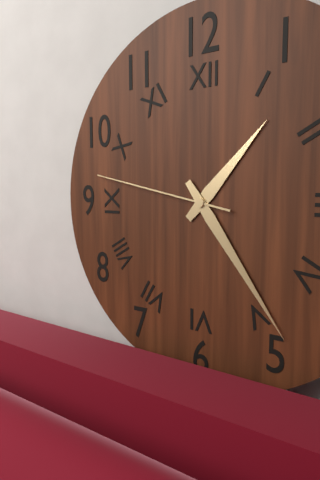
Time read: 1 h 24 min 47 s
